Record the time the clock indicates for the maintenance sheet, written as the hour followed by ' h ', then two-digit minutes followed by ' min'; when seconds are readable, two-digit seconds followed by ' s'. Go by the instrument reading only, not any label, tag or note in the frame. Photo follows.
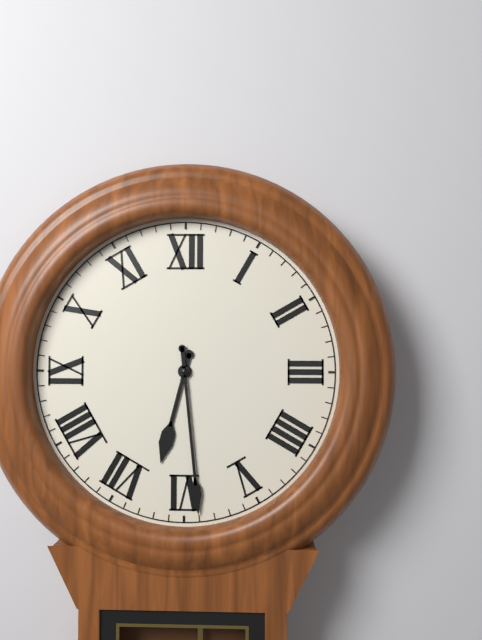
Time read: 6 h 29 min
